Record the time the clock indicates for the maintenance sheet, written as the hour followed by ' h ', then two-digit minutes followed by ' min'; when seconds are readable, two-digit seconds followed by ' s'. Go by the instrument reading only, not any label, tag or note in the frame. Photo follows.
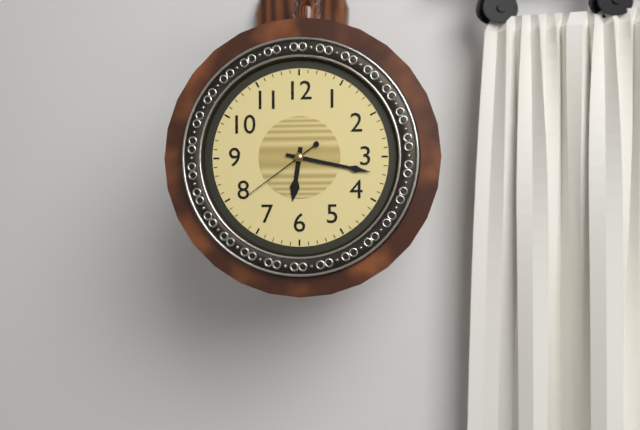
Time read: 6 h 17 min 39 s
